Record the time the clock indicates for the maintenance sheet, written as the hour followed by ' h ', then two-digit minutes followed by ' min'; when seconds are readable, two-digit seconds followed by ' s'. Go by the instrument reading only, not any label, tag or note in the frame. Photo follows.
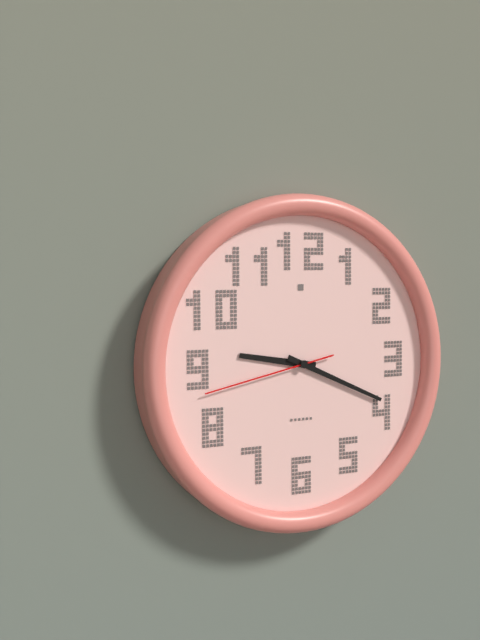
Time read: 9 h 19 min 43 s
